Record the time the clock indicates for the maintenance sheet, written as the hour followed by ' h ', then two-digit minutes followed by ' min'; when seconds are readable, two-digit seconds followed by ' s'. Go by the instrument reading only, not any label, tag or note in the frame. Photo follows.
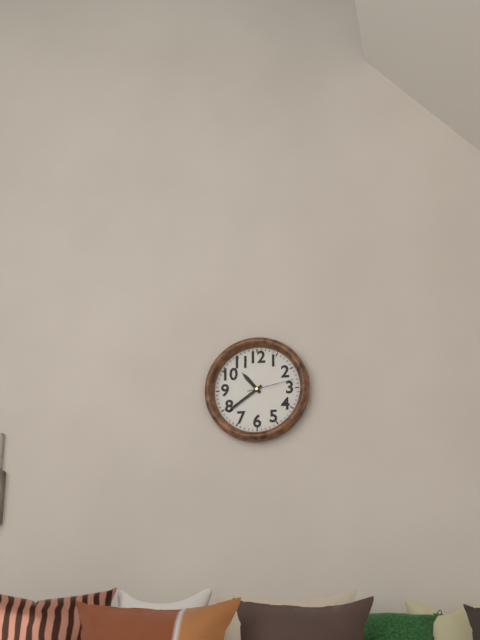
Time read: 10 h 39 min
